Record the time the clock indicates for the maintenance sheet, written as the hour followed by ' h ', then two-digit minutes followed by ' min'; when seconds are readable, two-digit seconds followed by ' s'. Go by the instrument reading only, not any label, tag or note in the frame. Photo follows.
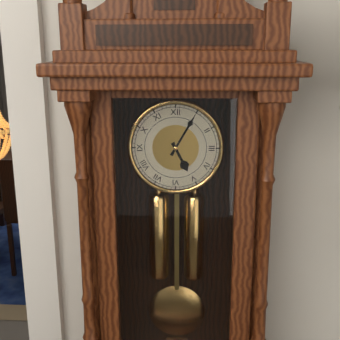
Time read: 5 h 05 min
